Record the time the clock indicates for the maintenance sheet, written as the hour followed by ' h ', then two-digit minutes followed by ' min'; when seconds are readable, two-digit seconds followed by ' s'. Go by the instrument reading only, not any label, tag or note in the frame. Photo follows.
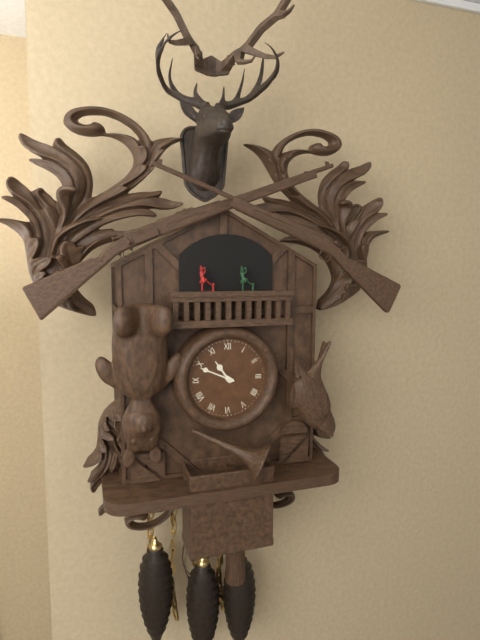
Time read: 10 h 49 min
